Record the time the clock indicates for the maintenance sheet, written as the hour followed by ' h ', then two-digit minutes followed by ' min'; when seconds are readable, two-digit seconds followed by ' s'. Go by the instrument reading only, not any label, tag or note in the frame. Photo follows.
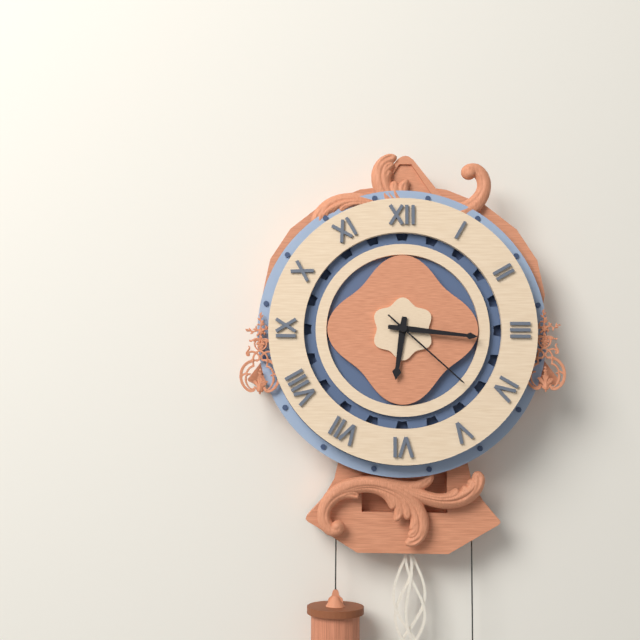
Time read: 6 h 16 min 22 s
